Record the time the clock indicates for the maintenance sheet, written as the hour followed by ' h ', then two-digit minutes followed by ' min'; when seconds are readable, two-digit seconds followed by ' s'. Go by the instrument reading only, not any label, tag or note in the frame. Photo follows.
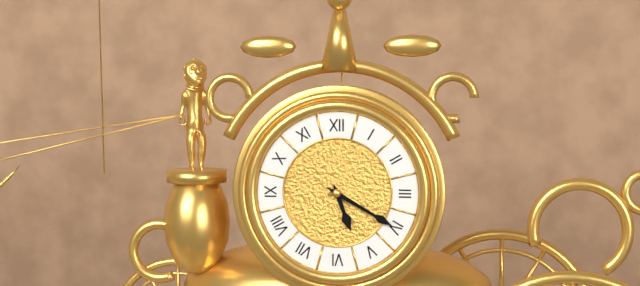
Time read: 5 h 20 min
